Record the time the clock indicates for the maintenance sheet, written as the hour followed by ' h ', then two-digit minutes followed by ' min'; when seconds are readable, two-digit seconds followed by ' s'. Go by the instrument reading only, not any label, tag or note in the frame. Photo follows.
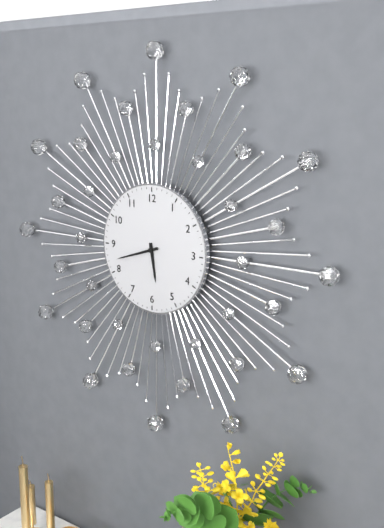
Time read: 5 h 42 min
